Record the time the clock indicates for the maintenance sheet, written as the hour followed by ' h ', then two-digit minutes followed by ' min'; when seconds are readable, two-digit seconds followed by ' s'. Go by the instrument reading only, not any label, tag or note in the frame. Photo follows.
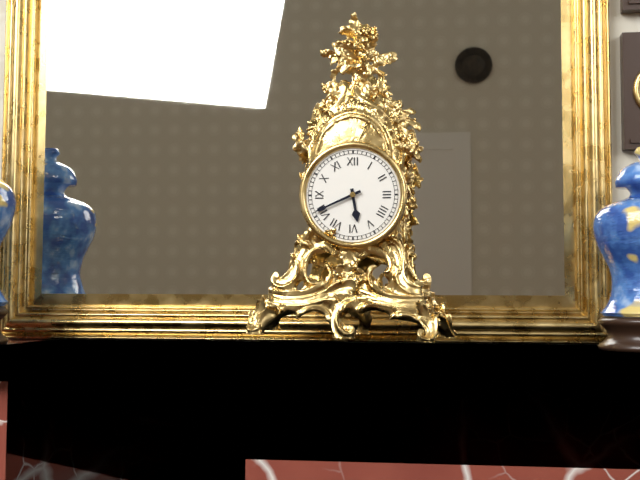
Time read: 5 h 41 min
